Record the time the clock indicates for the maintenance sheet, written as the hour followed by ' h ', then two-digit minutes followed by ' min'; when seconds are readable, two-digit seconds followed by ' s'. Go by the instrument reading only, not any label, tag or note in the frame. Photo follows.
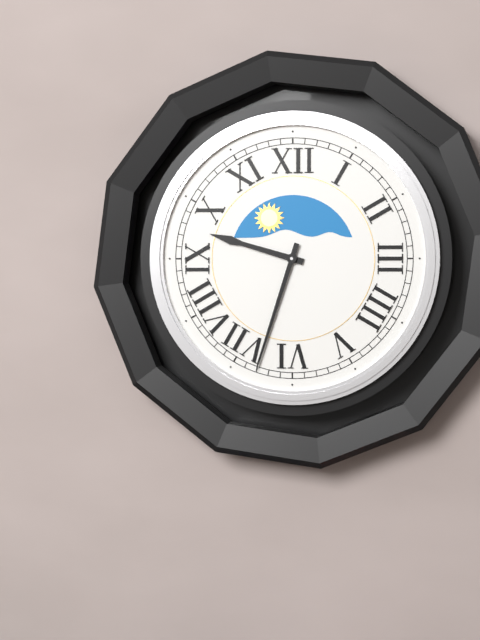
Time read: 9 h 33 min
